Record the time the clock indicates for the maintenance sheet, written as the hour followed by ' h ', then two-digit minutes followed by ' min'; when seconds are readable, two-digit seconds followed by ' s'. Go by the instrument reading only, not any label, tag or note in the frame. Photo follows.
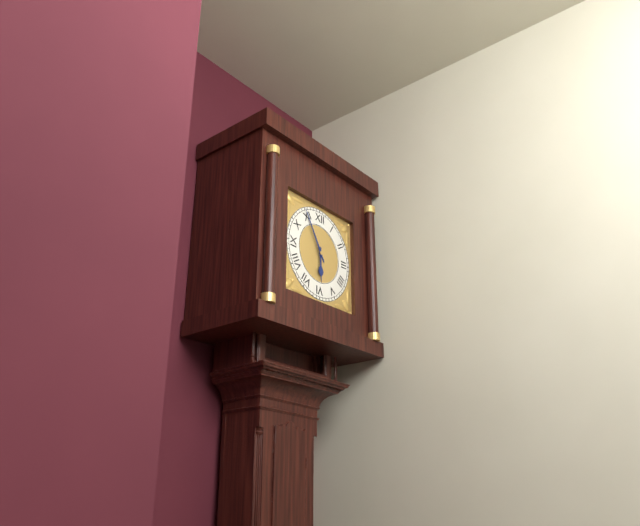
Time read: 5 h 55 min
